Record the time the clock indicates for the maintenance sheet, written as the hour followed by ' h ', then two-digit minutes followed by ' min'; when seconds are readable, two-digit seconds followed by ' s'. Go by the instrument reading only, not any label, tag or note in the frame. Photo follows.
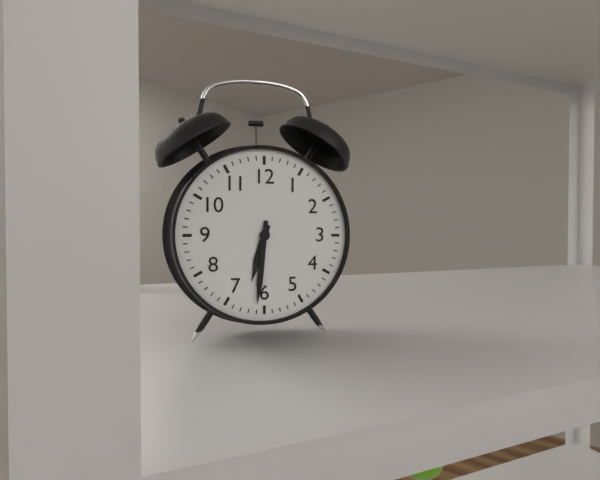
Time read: 6 h 31 min
